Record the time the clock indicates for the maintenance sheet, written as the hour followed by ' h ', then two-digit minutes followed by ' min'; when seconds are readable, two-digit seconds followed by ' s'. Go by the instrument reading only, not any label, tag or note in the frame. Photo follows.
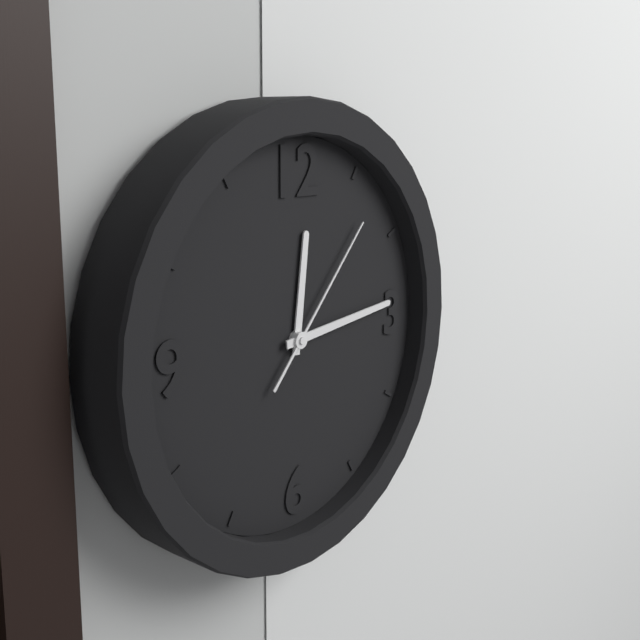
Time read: 12 h 14 min 07 s
